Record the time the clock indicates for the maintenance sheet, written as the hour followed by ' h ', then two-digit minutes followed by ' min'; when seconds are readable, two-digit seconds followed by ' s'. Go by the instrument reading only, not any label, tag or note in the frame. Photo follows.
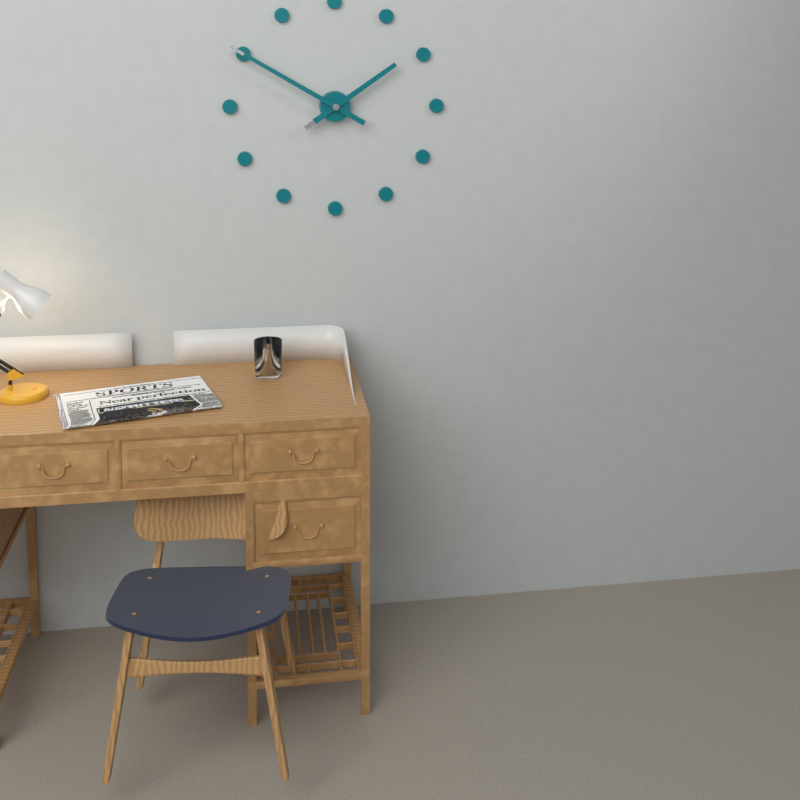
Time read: 1 h 50 min
